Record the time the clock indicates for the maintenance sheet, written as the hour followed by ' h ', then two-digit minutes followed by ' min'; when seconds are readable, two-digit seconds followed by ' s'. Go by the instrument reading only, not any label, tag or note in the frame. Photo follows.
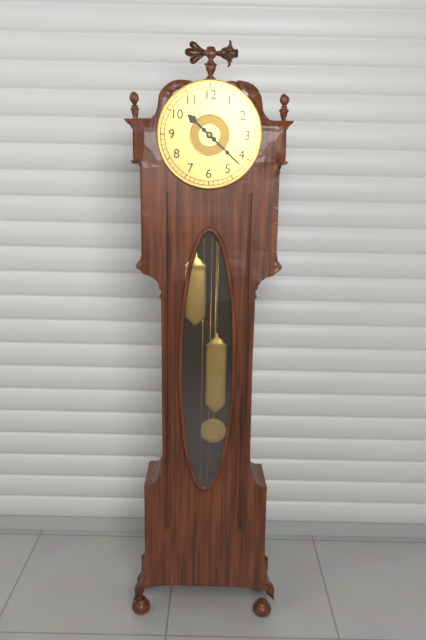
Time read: 10 h 22 min
